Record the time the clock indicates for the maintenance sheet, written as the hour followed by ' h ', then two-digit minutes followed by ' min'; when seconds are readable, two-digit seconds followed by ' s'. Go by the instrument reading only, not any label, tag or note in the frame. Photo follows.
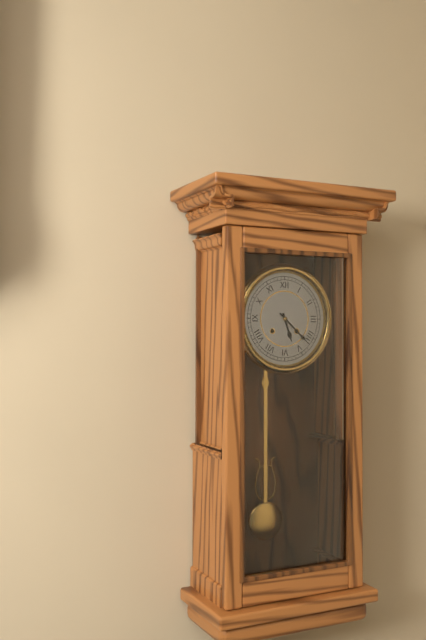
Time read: 5 h 22 min
